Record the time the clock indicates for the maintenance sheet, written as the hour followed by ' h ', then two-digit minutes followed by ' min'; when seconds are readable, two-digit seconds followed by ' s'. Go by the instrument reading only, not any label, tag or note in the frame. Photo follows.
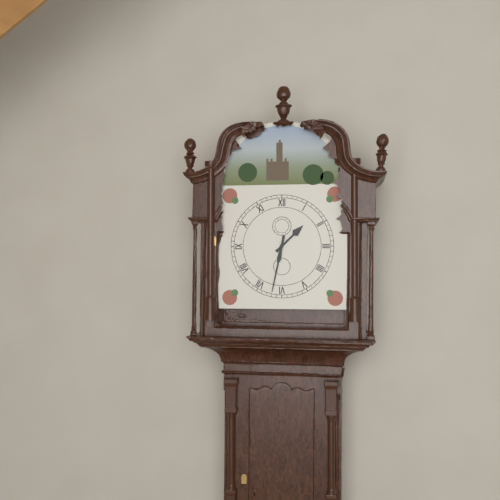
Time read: 1 h 32 min
